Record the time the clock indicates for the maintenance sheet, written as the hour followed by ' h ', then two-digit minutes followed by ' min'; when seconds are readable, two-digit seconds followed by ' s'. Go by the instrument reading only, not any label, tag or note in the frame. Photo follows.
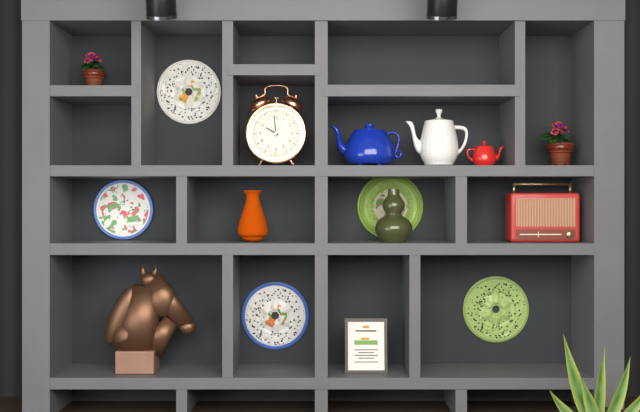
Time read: 9 h 59 min
